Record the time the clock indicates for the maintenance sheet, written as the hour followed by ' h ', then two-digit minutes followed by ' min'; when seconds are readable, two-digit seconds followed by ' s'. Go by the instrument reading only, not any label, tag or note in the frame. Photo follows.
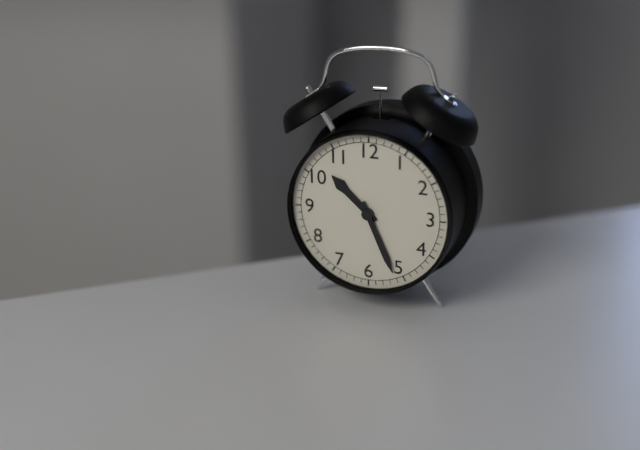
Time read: 10 h 26 min
